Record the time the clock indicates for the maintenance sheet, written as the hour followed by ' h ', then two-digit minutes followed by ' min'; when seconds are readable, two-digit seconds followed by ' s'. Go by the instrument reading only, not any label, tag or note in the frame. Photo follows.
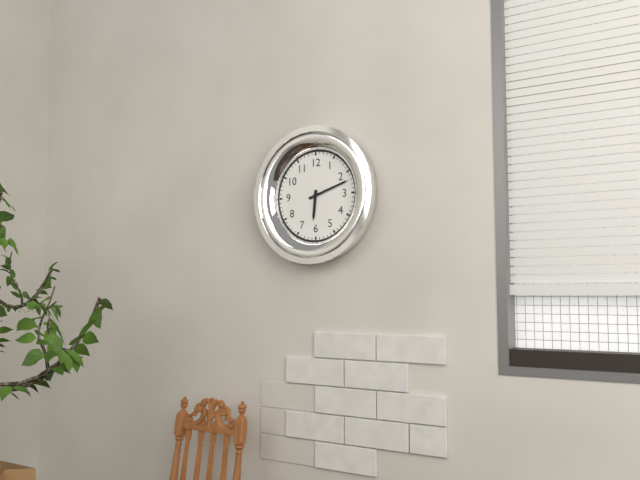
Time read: 6 h 12 min
